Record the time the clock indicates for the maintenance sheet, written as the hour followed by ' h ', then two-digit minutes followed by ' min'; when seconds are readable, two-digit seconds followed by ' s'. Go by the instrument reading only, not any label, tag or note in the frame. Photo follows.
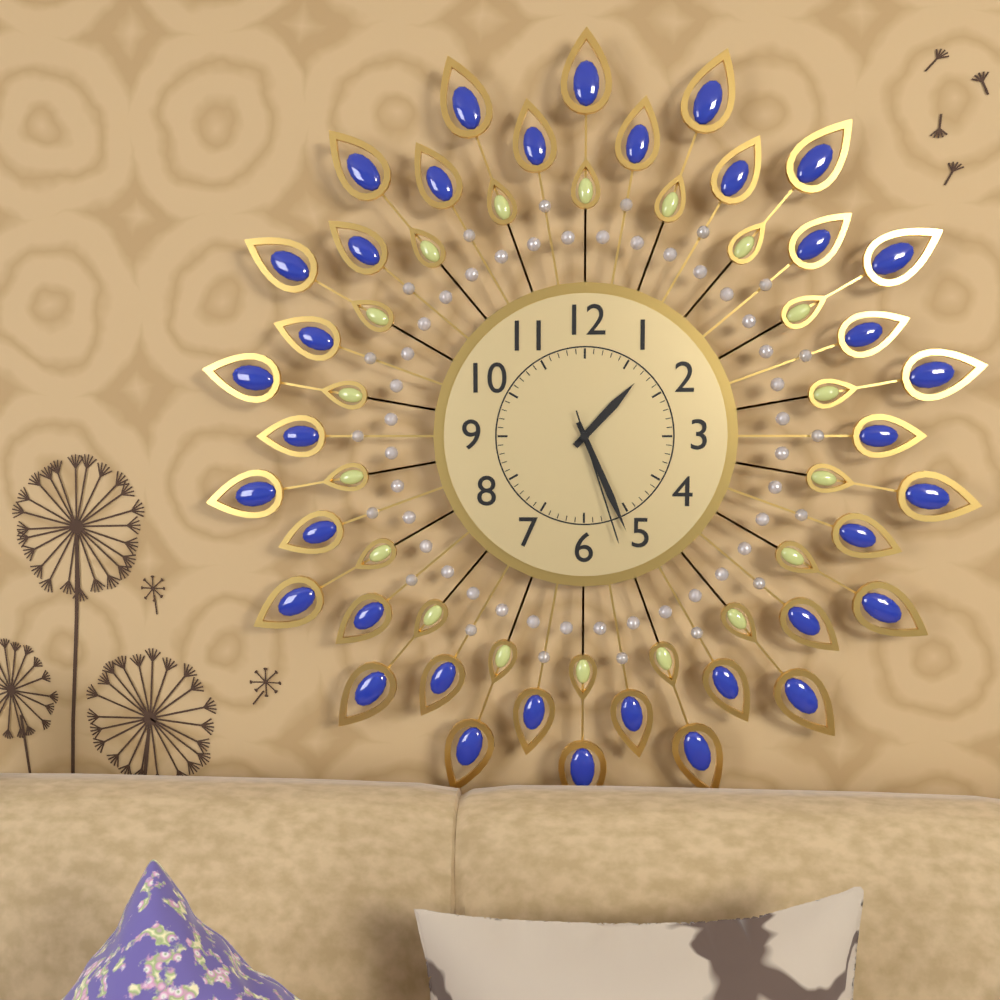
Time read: 1 h 26 min 27 s
